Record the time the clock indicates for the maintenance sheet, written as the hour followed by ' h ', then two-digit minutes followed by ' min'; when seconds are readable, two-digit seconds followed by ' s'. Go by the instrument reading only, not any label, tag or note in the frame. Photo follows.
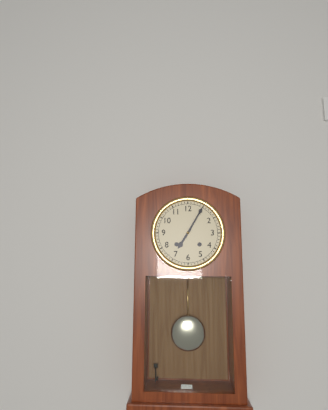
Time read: 7 h 05 min
